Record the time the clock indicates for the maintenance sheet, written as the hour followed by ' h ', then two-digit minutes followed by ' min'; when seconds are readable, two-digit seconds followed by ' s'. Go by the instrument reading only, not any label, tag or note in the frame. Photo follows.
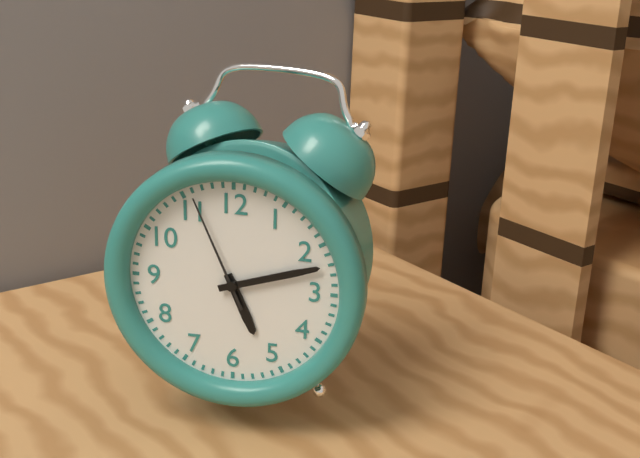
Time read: 5 h 12 min 56 s
